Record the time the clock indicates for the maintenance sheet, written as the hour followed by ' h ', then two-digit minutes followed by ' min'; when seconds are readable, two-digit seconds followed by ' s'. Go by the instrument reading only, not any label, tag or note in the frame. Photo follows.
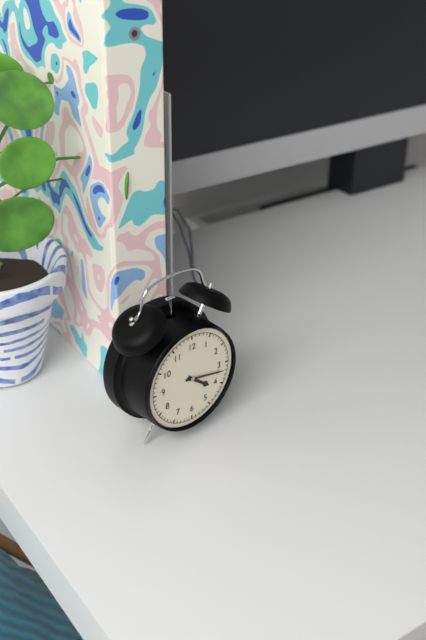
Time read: 4 h 17 min
